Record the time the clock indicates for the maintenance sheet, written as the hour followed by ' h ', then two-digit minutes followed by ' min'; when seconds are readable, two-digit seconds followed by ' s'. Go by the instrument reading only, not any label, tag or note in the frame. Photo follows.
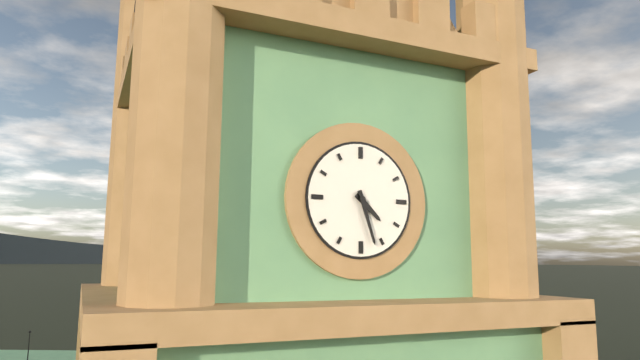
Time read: 4 h 27 min
